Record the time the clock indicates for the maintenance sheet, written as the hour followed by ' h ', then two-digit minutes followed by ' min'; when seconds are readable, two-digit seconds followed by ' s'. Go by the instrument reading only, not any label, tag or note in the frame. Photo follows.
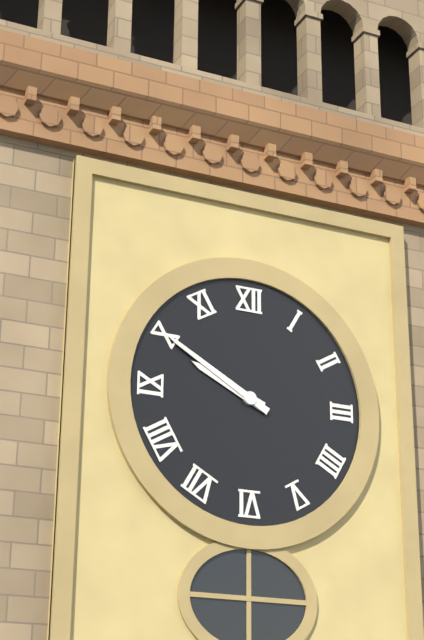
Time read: 9 h 50 min
